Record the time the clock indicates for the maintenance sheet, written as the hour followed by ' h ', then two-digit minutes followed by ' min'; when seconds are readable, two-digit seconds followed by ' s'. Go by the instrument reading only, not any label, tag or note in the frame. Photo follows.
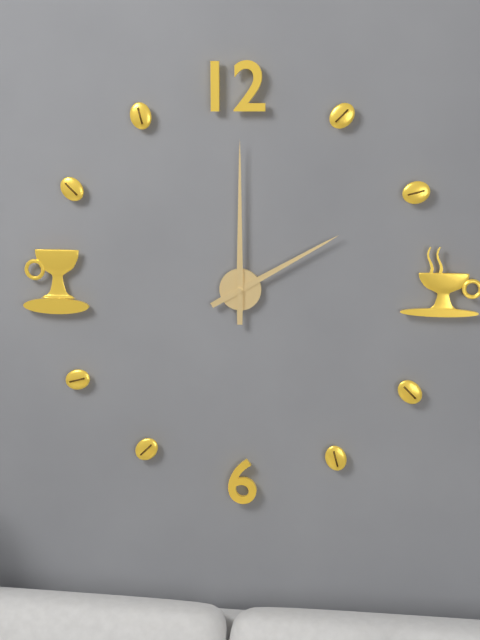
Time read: 2 h 00 min
